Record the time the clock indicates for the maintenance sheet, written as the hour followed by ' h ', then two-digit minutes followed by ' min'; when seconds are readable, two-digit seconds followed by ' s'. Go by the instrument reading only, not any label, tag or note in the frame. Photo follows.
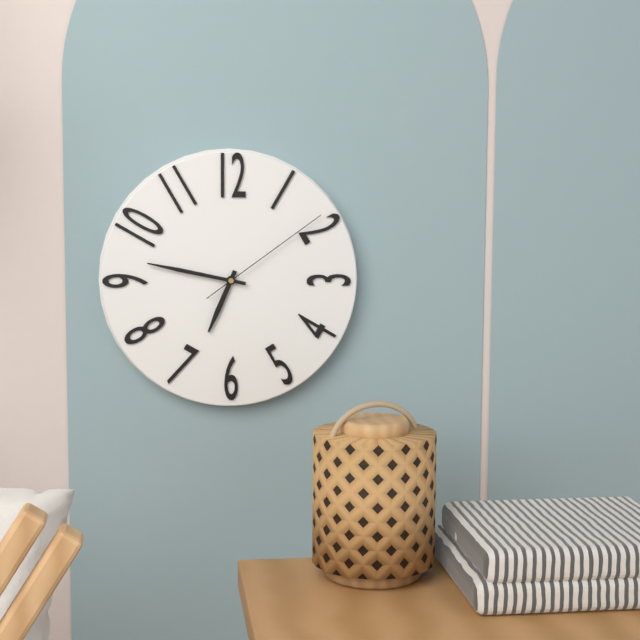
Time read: 6 h 47 min 09 s
